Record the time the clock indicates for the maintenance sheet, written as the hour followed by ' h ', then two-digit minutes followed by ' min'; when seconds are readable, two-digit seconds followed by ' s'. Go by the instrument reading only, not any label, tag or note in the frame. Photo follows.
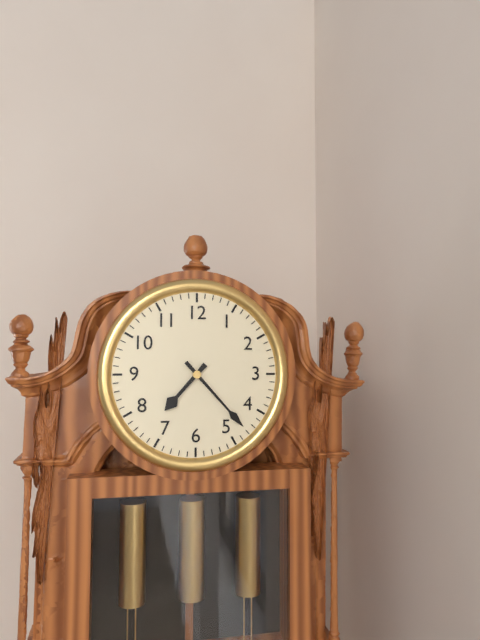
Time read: 7 h 23 min
